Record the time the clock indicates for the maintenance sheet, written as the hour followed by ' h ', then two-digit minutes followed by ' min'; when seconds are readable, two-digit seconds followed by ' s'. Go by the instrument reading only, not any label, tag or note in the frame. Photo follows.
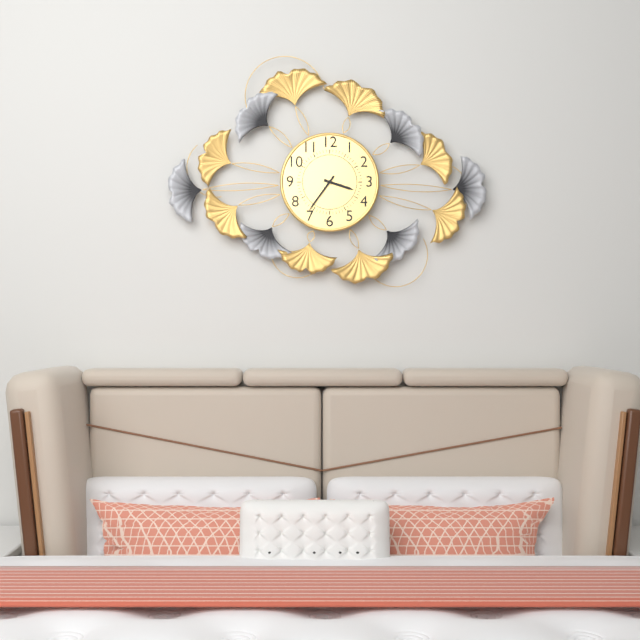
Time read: 3 h 36 min
